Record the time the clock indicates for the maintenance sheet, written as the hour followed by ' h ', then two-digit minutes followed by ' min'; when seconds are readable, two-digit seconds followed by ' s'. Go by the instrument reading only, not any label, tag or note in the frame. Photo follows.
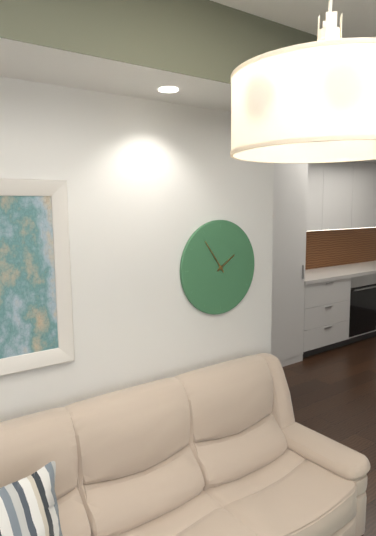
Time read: 1 h 54 min
